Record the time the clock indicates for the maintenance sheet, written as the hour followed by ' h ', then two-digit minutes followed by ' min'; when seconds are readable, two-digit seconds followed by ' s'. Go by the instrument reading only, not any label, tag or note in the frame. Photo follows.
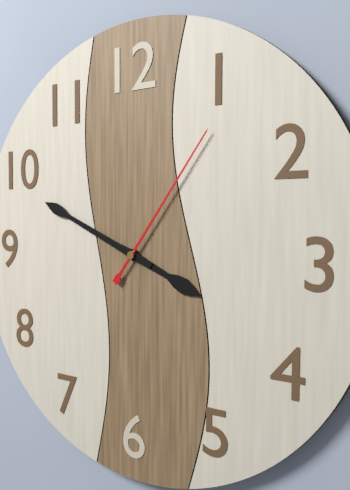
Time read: 3 h 49 min 06 s
